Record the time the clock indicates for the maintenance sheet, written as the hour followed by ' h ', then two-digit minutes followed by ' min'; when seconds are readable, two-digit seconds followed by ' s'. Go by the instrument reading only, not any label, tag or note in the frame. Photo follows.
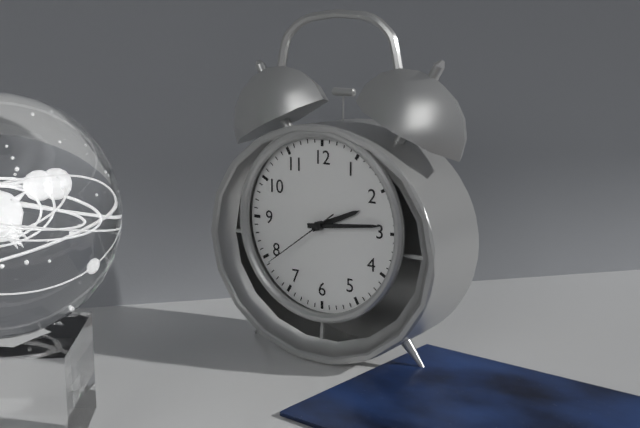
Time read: 2 h 14 min 39 s
